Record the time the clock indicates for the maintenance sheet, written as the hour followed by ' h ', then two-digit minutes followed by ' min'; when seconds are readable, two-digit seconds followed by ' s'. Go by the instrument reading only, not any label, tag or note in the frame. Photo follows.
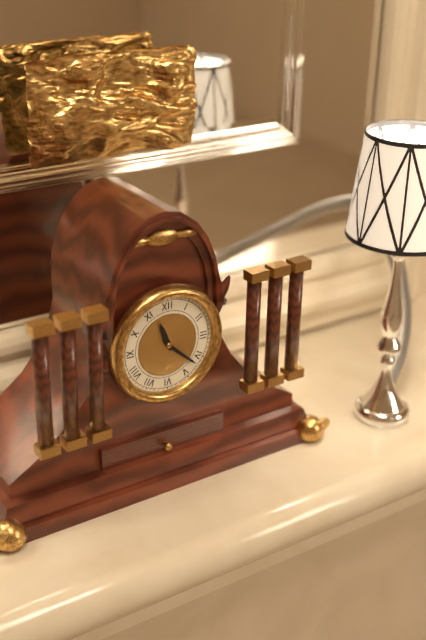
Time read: 11 h 22 min
